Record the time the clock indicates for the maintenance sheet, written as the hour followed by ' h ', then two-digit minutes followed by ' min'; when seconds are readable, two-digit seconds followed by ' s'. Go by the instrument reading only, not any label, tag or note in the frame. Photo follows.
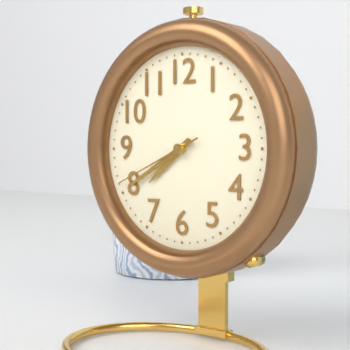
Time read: 7 h 40 min 41 s
